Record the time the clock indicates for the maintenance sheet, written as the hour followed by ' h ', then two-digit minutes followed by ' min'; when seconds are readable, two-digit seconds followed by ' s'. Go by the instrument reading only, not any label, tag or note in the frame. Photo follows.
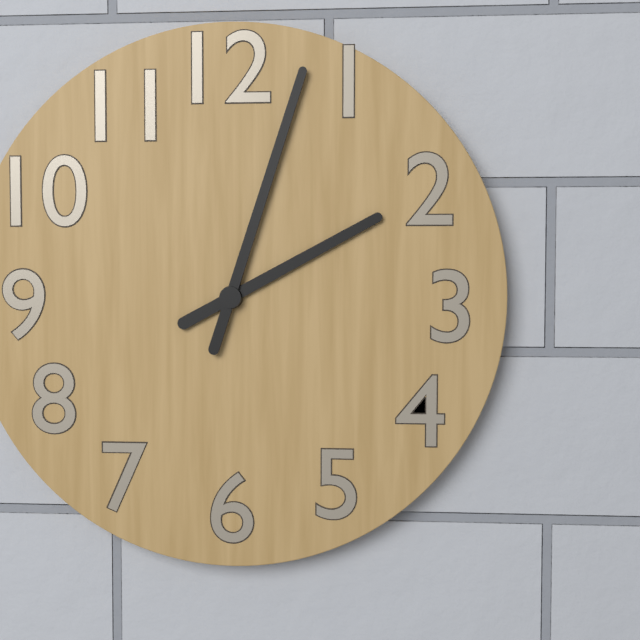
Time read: 2 h 03 min
